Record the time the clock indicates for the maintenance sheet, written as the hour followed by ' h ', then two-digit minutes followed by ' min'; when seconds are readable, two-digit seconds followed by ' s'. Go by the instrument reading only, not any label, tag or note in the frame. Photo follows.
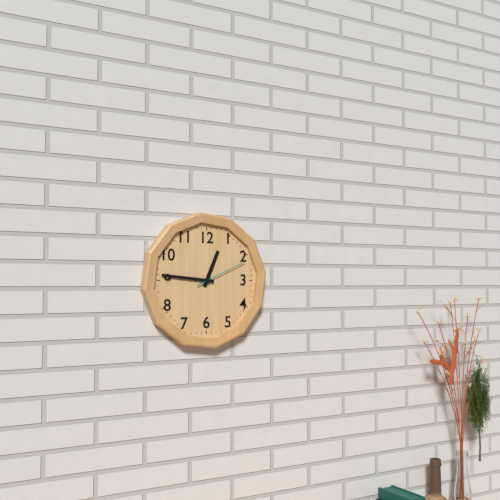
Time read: 12 h 46 min 11 s
